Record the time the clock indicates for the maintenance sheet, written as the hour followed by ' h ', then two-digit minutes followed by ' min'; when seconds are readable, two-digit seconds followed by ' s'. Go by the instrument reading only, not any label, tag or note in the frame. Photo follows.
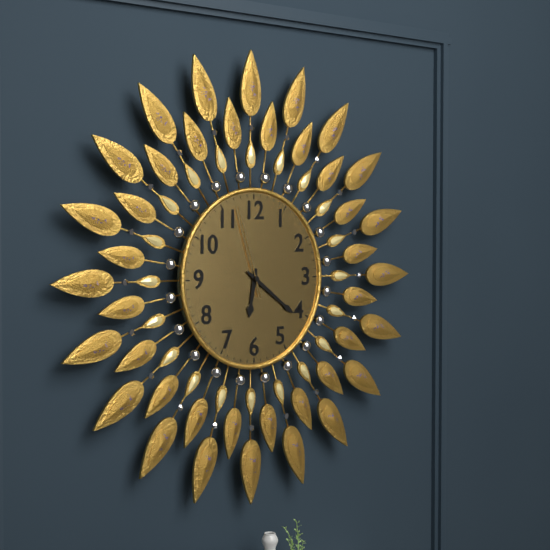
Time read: 6 h 21 min 57 s
